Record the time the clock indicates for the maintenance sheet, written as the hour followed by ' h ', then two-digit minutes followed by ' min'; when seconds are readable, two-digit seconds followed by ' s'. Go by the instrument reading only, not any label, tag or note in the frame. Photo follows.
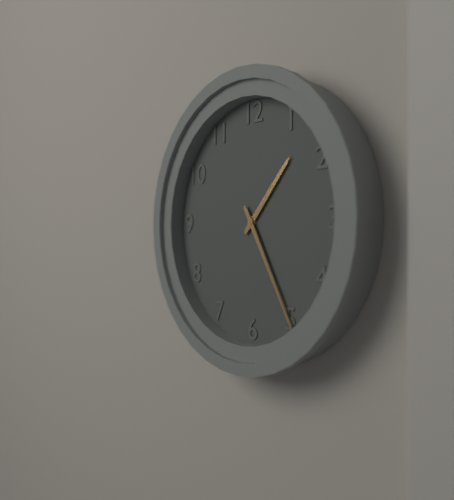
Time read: 1 h 25 min
